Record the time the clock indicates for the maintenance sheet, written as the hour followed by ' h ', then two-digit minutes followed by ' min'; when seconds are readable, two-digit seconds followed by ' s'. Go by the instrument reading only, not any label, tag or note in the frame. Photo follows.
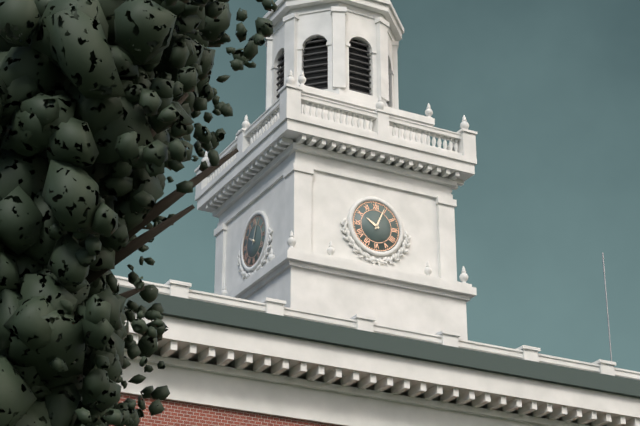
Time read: 10 h 04 min
